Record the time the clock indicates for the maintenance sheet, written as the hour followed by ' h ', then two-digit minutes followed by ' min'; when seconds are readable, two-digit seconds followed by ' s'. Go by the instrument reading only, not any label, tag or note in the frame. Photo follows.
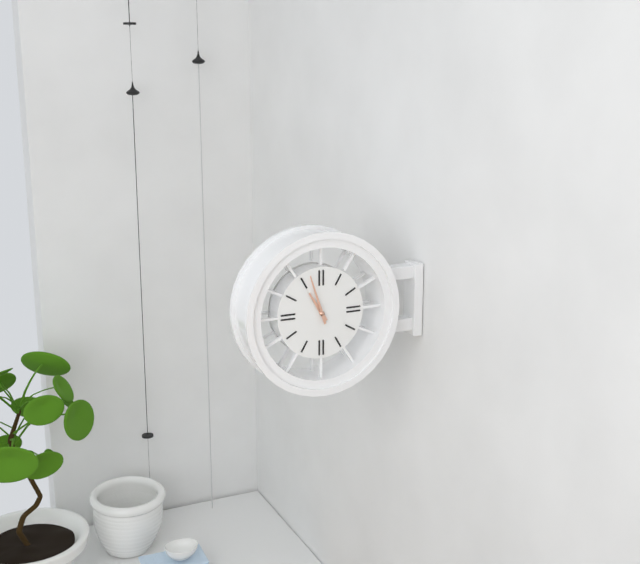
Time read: 10 h 57 min
